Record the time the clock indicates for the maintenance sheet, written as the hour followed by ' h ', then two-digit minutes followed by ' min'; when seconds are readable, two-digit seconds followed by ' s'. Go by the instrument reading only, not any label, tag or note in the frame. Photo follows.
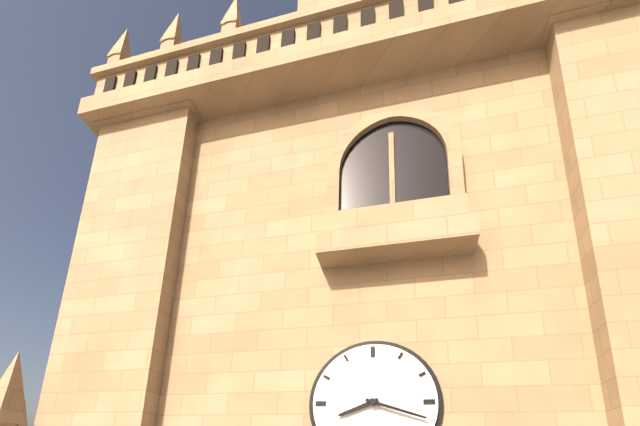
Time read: 8 h 18 min
